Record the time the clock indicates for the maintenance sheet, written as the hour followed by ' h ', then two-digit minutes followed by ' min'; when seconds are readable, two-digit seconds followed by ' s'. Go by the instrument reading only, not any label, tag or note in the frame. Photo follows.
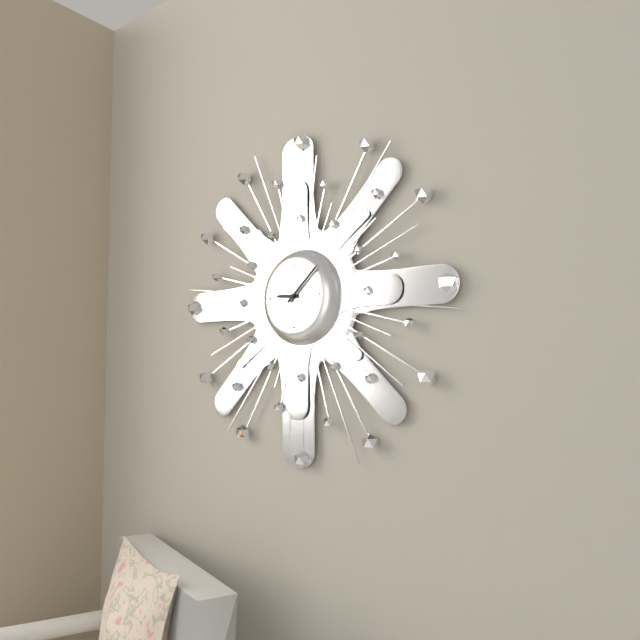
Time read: 9 h 08 min
